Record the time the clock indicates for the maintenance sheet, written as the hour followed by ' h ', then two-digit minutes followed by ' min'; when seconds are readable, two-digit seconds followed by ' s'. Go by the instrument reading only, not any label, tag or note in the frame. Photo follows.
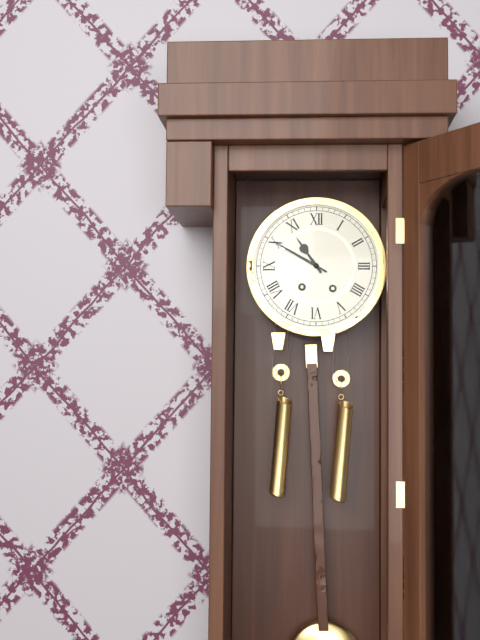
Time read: 10 h 50 min
